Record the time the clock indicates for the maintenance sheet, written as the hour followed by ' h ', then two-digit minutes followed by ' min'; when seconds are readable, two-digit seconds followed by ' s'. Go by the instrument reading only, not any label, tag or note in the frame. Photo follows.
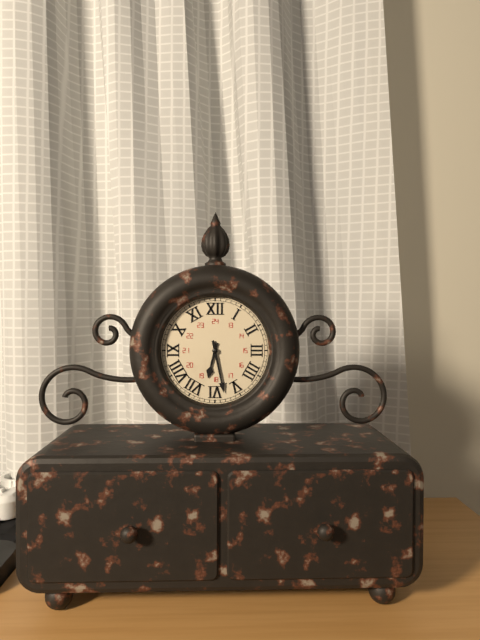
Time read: 6 h 28 min
